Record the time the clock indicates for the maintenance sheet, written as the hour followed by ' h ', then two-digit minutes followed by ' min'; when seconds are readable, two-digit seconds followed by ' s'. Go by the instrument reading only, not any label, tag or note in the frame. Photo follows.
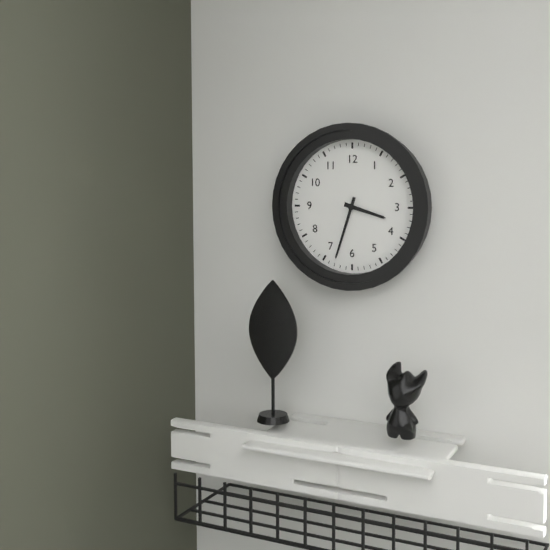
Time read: 3 h 33 min
